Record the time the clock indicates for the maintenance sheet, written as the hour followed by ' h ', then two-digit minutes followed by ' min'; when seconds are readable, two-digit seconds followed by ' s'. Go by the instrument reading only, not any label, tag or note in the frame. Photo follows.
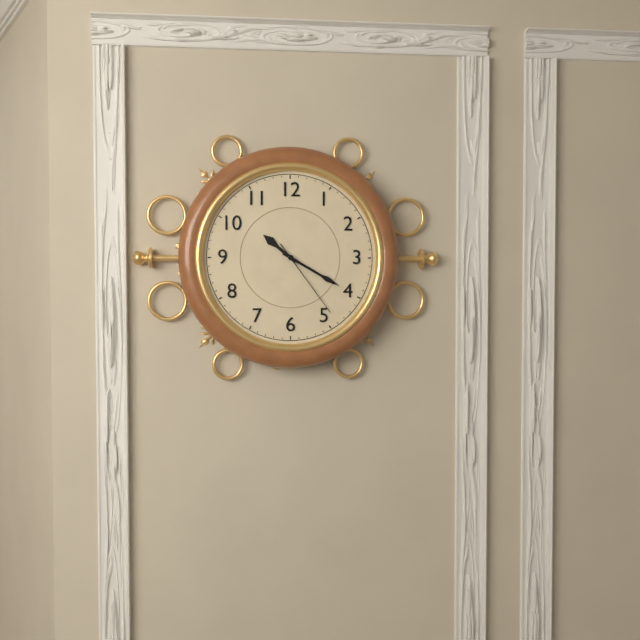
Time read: 10 h 20 min 24 s
